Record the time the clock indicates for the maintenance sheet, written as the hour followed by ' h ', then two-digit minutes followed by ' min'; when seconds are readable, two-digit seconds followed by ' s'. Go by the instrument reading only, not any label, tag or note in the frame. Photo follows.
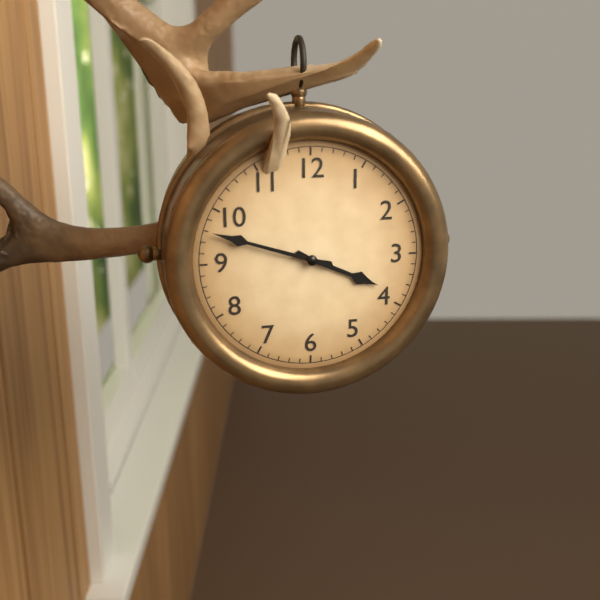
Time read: 3 h 48 min
